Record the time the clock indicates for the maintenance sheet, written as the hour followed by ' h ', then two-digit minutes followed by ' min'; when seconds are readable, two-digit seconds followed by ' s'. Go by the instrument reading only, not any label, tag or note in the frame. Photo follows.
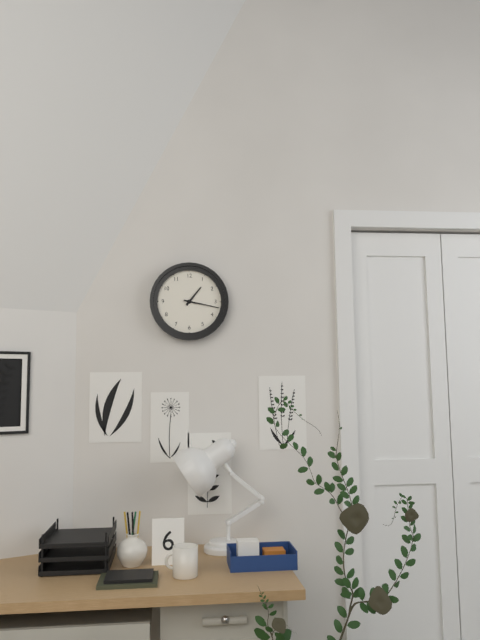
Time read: 1 h 17 min
